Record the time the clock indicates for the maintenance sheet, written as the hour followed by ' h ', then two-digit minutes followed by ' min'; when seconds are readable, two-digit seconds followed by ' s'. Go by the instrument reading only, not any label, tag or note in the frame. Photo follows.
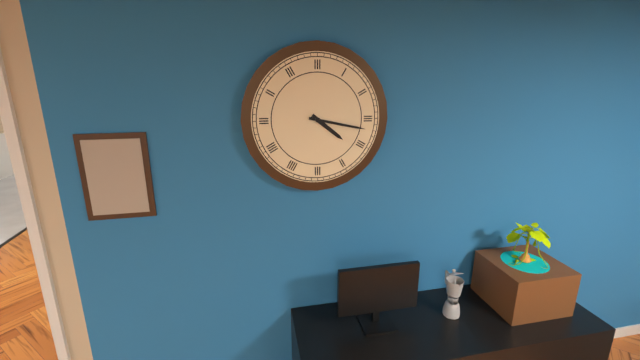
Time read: 4 h 17 min
